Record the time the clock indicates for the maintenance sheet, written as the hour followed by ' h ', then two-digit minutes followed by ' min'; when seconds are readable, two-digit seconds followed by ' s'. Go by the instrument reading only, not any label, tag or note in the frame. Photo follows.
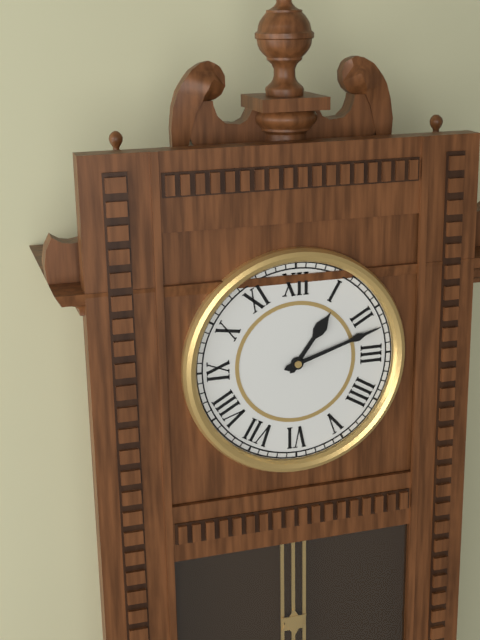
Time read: 1 h 12 min
